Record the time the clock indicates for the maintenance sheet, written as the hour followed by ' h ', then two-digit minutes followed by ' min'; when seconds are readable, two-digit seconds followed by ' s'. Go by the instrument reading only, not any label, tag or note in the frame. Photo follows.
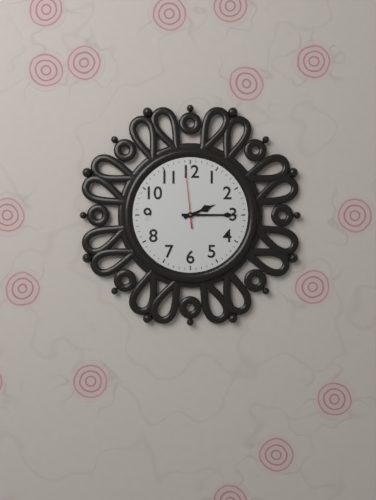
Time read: 2 h 15 min 59 s
